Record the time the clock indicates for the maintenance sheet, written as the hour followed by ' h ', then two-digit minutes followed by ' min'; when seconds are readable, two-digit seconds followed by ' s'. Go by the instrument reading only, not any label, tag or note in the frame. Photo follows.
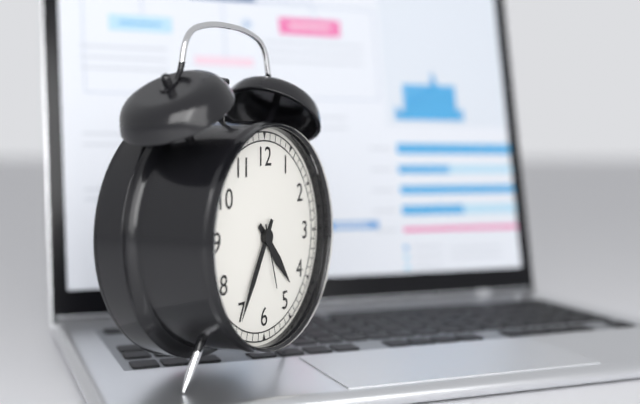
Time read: 4 h 35 min 27 s
